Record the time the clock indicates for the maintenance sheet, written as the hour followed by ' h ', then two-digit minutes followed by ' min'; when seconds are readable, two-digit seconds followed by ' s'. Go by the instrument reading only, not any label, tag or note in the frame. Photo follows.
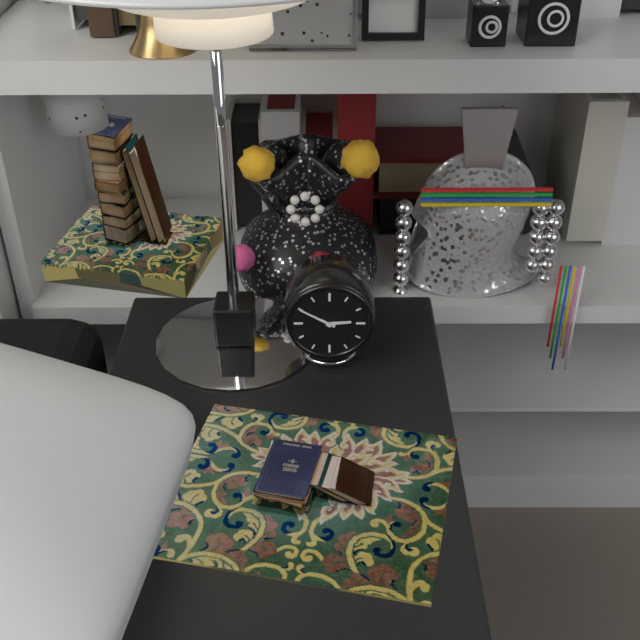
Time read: 2 h 50 min
